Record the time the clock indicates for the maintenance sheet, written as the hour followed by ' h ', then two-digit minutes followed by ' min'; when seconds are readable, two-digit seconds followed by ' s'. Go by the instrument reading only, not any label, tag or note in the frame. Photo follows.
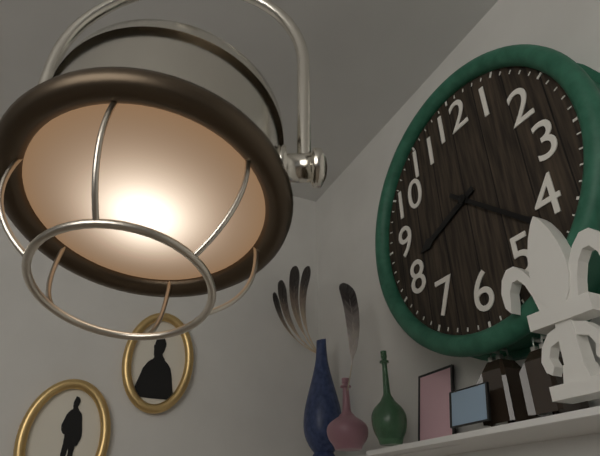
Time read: 8 h 22 min
